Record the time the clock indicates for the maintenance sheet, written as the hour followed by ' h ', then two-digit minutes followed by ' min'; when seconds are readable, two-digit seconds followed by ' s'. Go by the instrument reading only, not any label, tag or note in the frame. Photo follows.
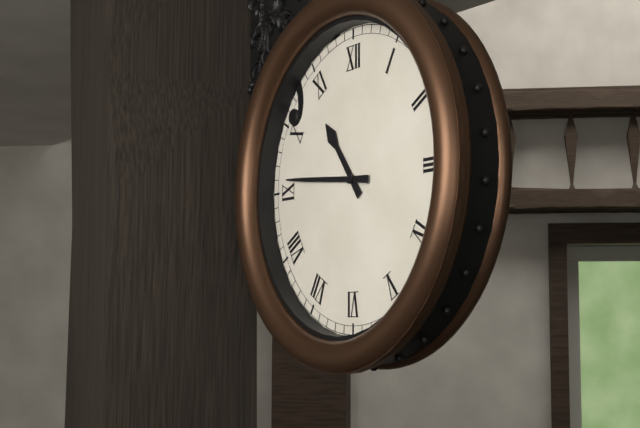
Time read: 10 h 46 min
